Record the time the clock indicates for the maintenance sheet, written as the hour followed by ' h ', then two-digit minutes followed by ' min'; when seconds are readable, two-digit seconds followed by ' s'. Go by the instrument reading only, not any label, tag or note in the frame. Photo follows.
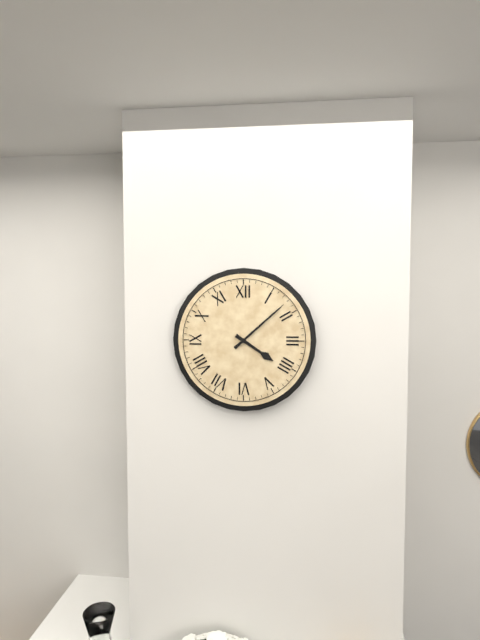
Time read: 4 h 08 min
